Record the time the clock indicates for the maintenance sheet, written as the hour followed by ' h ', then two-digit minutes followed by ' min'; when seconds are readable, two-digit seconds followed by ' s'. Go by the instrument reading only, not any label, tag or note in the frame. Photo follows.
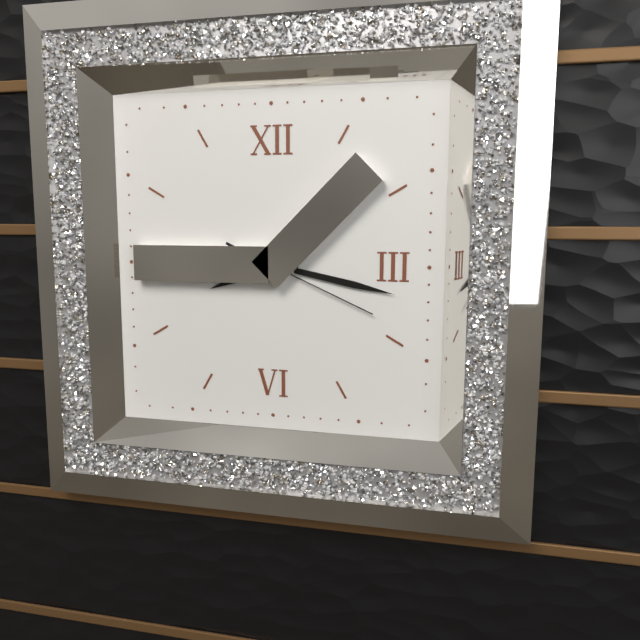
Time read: 8 h 17 min 19 s
